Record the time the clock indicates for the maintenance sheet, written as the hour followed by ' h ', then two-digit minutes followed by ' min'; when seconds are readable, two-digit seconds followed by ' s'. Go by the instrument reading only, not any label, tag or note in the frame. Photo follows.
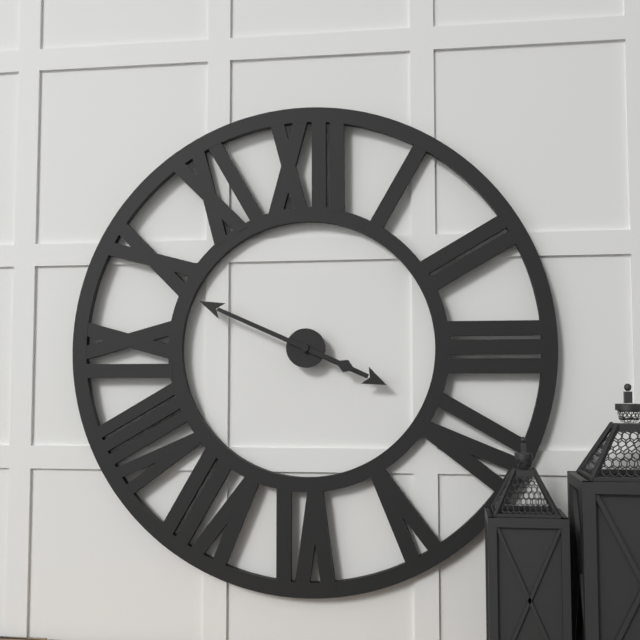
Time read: 3 h 49 min
